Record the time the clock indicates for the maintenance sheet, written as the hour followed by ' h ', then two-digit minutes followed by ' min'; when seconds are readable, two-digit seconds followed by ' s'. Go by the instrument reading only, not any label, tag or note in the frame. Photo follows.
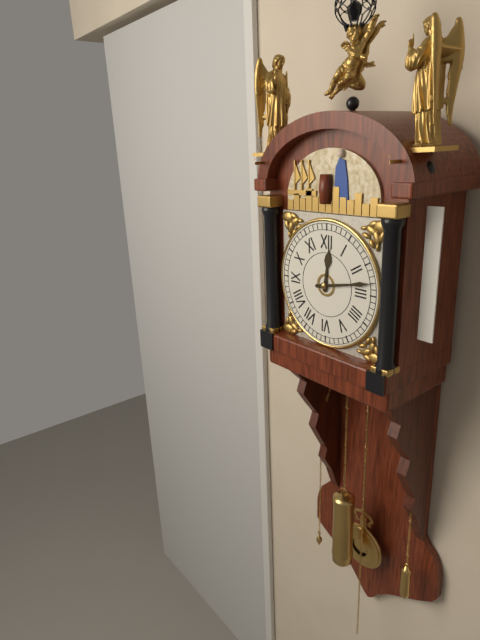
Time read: 12 h 13 min
